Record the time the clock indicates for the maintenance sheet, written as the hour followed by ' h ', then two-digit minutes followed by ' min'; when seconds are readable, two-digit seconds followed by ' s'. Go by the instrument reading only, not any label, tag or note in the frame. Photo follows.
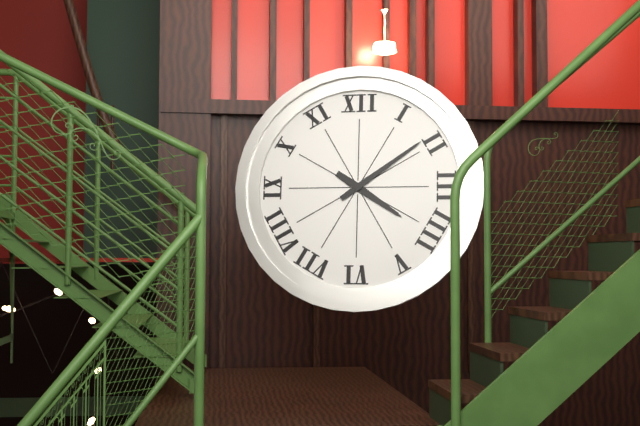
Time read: 4 h 09 min
